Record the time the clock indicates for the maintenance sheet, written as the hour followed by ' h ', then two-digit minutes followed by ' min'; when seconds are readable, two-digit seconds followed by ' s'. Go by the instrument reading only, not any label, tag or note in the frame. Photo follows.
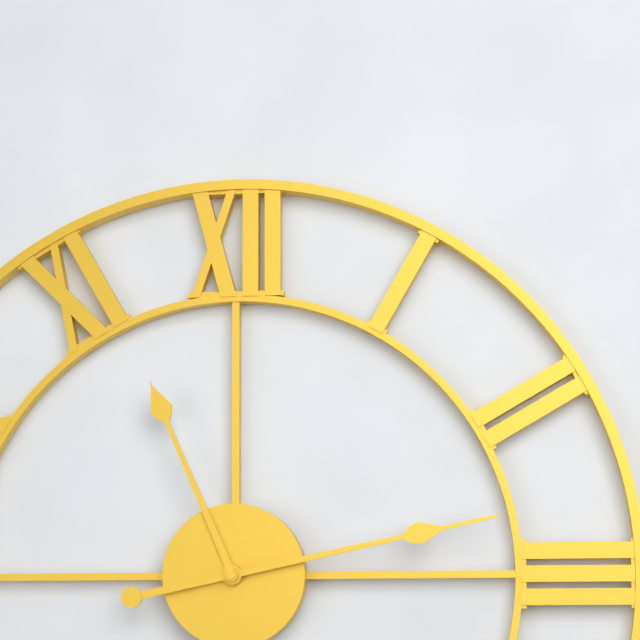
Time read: 11 h 13 min
